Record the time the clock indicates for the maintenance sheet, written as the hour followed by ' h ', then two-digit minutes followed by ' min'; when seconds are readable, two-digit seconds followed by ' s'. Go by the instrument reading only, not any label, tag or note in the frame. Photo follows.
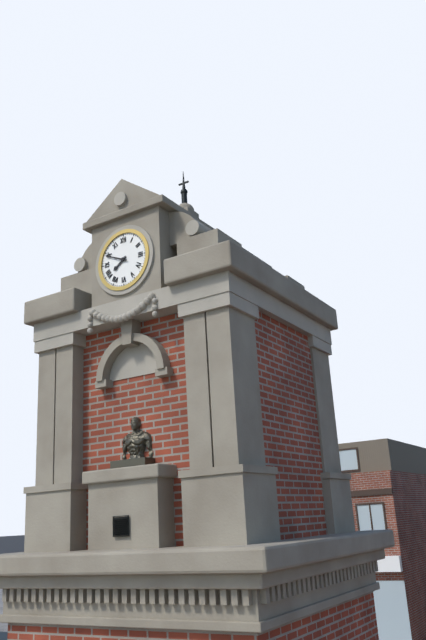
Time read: 7 h 49 min
